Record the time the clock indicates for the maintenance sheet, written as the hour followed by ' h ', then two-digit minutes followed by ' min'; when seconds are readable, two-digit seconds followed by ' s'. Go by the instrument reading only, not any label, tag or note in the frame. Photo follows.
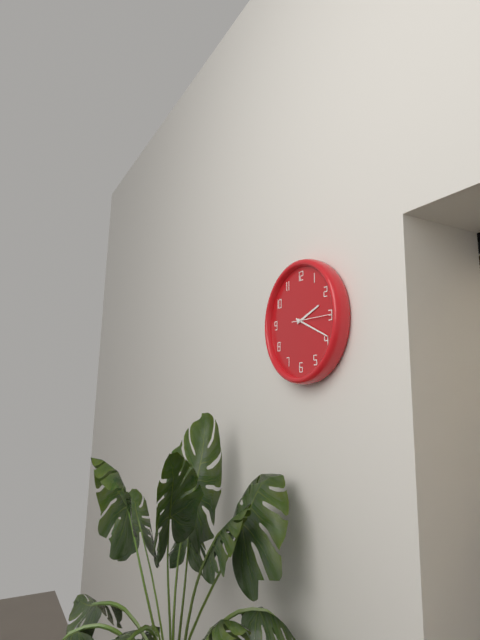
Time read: 2 h 19 min
